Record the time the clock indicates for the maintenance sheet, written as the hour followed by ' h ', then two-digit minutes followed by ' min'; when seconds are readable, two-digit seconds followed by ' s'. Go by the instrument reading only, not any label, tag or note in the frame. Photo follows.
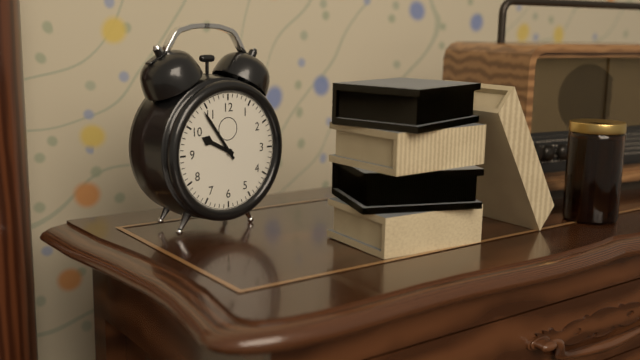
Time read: 9 h 54 min
